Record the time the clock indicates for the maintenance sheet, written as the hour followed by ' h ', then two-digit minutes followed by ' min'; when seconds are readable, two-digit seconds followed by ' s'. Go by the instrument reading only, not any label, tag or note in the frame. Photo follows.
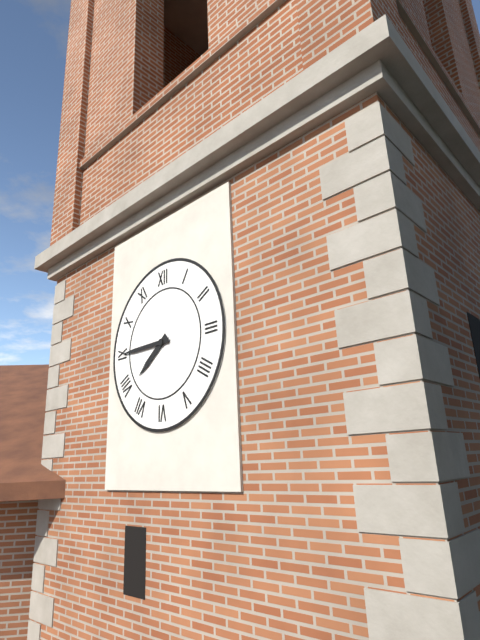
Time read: 7 h 45 min
